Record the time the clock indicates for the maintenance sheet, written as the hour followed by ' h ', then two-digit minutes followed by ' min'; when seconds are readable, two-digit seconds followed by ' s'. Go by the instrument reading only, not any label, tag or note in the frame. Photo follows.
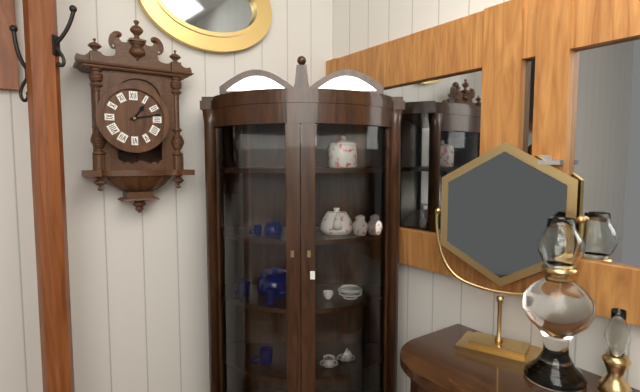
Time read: 1 h 13 min
